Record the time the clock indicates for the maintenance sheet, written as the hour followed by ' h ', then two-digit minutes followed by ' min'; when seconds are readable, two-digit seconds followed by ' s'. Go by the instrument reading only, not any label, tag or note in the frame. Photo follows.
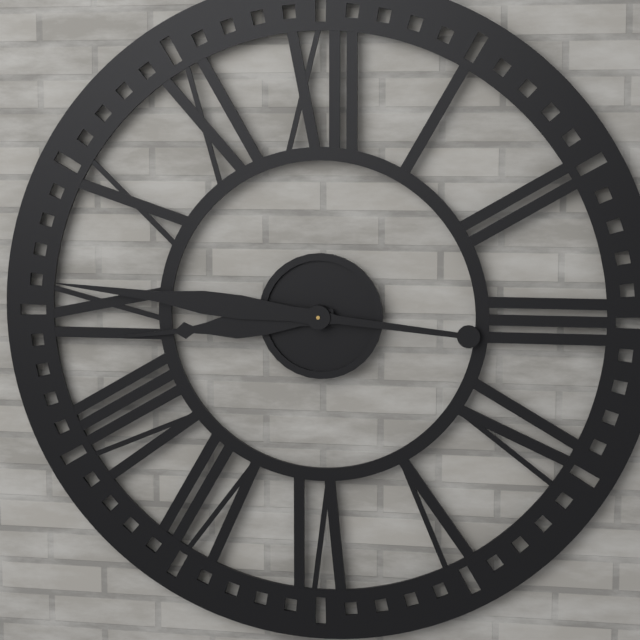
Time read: 8 h 46 min
